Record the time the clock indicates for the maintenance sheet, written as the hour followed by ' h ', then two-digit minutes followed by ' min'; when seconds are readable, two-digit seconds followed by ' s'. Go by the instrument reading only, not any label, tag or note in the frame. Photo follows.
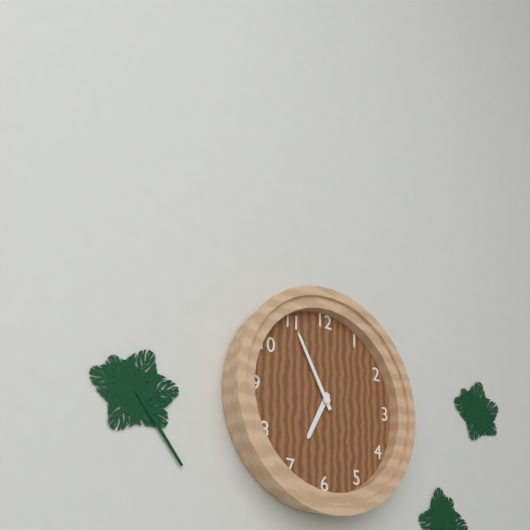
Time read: 6 h 55 min
